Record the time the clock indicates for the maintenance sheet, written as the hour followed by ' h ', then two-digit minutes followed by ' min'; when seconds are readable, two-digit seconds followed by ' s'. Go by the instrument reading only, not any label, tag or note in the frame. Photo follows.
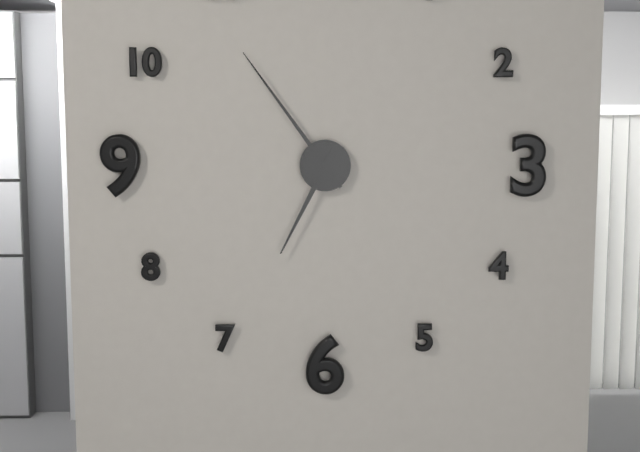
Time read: 6 h 54 min
